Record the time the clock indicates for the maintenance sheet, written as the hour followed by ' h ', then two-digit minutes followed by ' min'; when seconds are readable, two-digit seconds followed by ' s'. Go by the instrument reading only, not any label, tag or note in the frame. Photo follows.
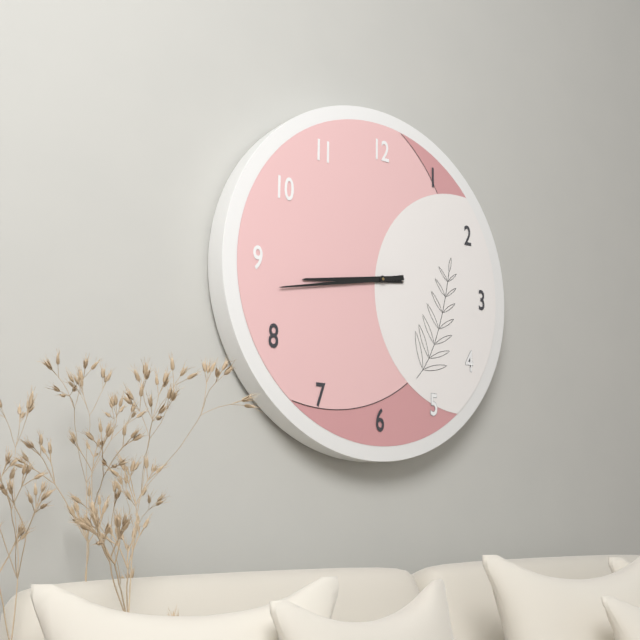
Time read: 8 h 43 min
